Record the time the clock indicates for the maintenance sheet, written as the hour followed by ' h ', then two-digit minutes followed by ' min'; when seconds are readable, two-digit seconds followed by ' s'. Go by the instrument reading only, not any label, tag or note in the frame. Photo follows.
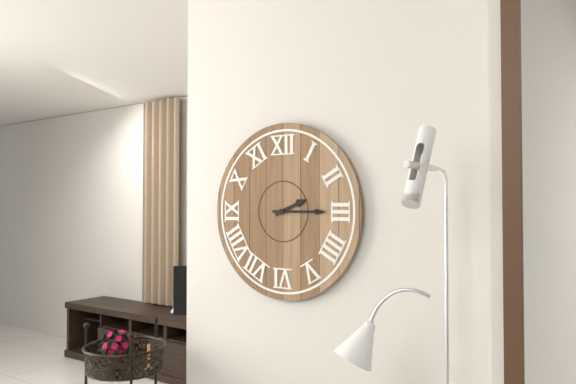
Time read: 2 h 15 min
